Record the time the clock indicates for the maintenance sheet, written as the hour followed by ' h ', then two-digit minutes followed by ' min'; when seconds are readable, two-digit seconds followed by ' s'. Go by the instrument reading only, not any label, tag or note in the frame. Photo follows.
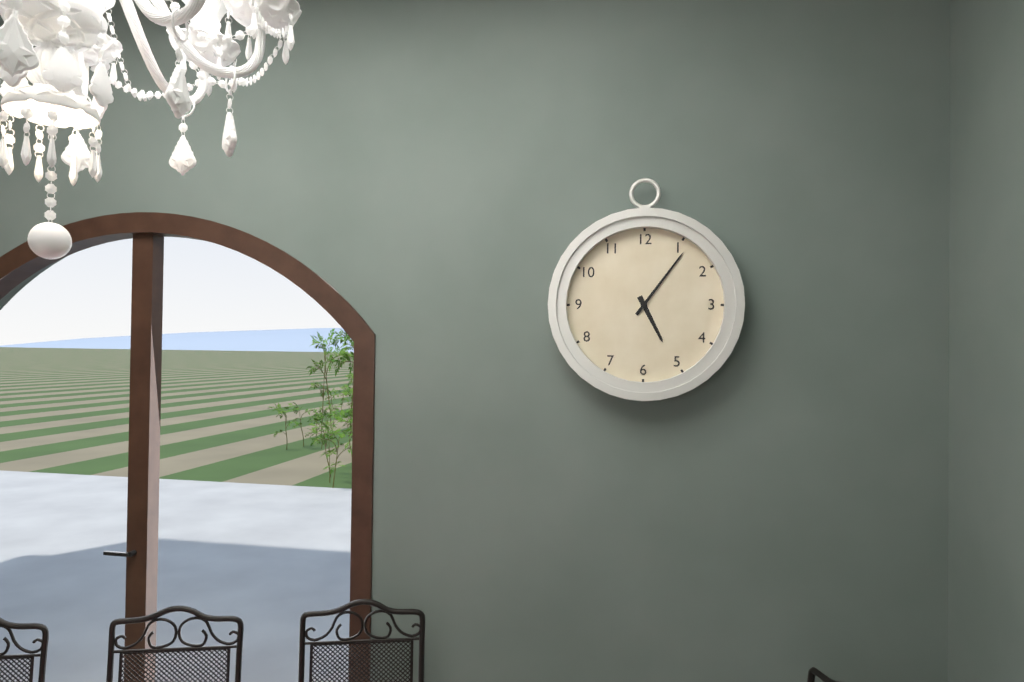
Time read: 5 h 06 min
